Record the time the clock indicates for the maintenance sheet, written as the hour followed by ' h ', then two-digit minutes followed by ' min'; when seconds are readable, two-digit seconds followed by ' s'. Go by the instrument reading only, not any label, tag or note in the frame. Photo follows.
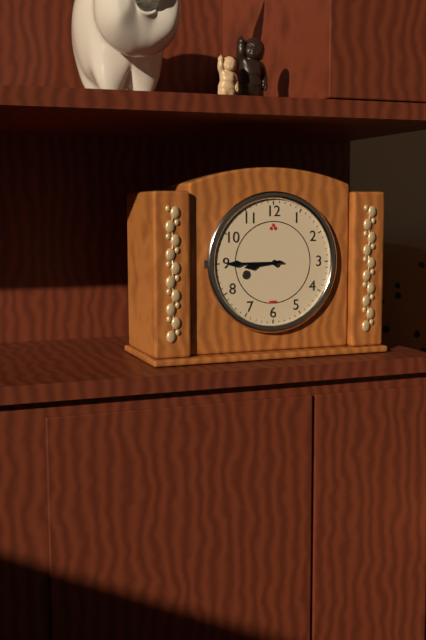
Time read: 8 h 45 min
